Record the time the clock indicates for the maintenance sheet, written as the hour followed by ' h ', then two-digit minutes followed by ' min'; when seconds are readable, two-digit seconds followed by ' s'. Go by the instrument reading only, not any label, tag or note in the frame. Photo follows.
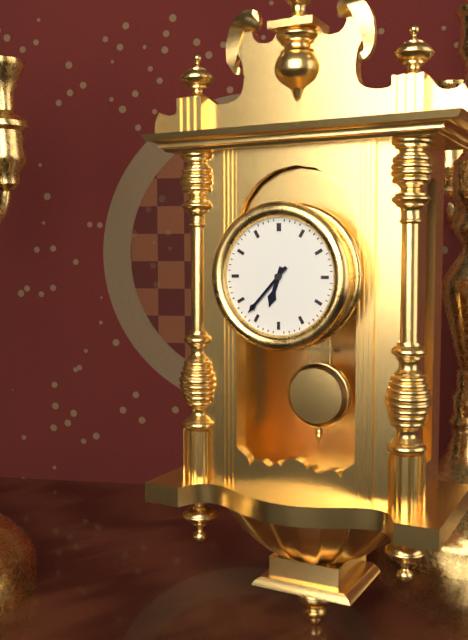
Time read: 6 h 37 min
